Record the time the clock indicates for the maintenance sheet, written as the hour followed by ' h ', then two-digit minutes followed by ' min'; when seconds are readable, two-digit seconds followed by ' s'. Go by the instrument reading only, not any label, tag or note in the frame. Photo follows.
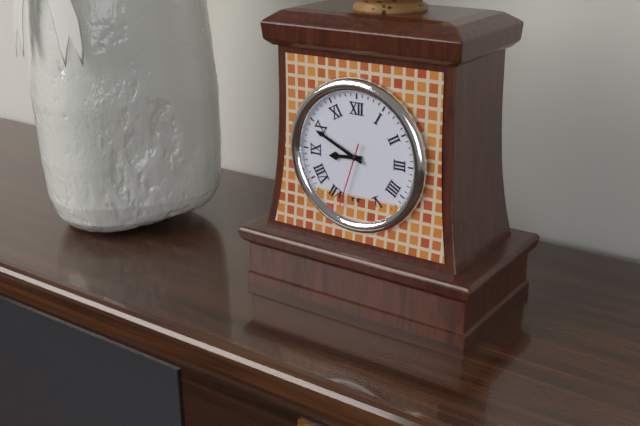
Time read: 8 h 49 min 33 s
